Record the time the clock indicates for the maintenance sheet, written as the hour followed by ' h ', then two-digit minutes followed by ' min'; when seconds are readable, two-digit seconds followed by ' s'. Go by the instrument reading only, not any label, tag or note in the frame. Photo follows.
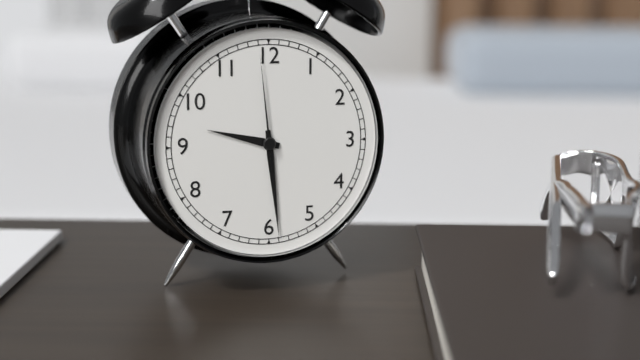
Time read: 9 h 29 min 59 s
